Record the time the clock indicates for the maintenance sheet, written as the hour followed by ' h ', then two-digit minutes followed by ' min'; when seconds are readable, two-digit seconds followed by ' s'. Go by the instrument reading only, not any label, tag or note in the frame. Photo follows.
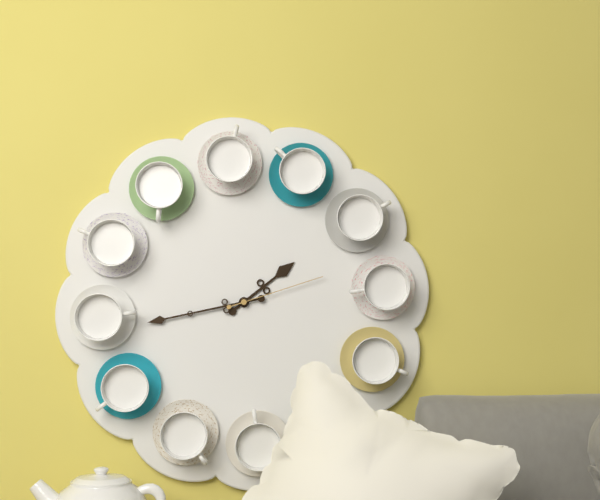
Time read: 1 h 43 min 12 s
